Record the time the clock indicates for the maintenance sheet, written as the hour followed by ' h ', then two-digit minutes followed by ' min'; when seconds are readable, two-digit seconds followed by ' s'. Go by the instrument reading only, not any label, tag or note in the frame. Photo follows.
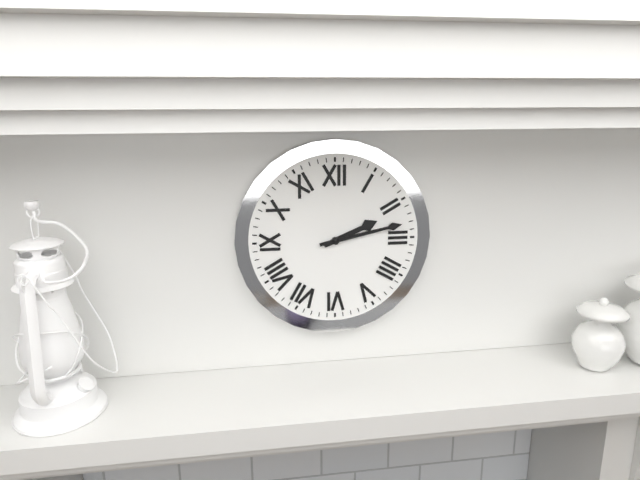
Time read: 2 h 13 min
